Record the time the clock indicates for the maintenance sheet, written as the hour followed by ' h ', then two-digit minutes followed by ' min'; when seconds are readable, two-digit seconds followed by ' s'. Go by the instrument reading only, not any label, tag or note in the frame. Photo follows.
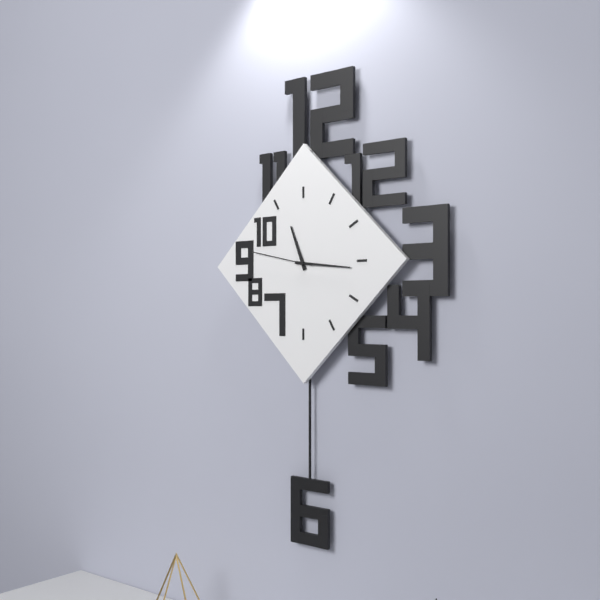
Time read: 11 h 16 min 47 s
